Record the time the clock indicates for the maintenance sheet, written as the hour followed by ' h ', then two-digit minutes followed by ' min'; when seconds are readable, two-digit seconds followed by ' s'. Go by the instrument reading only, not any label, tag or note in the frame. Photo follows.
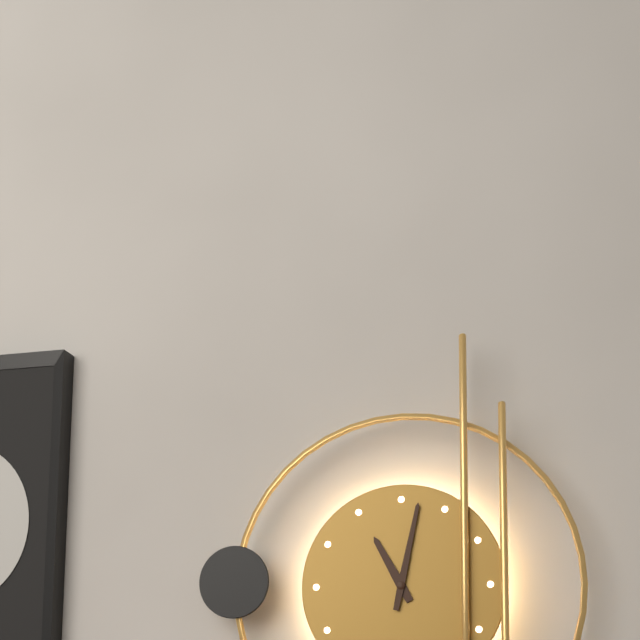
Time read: 11 h 02 min
